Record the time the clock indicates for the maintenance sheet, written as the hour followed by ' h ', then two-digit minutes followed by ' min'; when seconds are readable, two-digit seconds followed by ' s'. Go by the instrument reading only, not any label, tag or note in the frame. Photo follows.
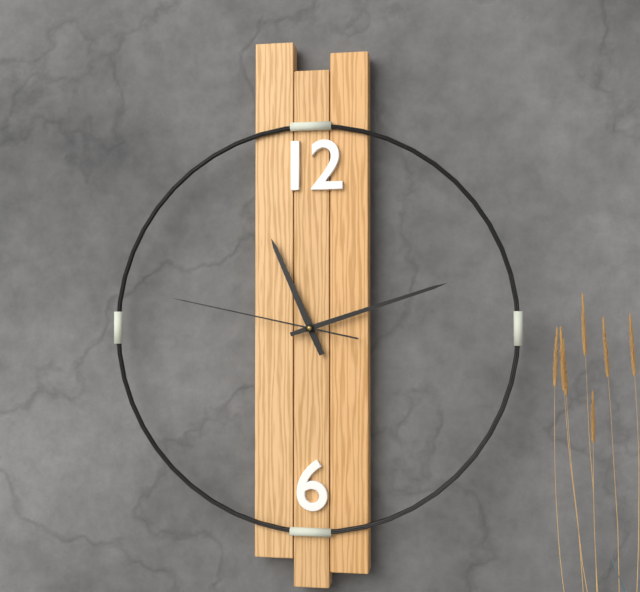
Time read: 11 h 12 min 47 s
